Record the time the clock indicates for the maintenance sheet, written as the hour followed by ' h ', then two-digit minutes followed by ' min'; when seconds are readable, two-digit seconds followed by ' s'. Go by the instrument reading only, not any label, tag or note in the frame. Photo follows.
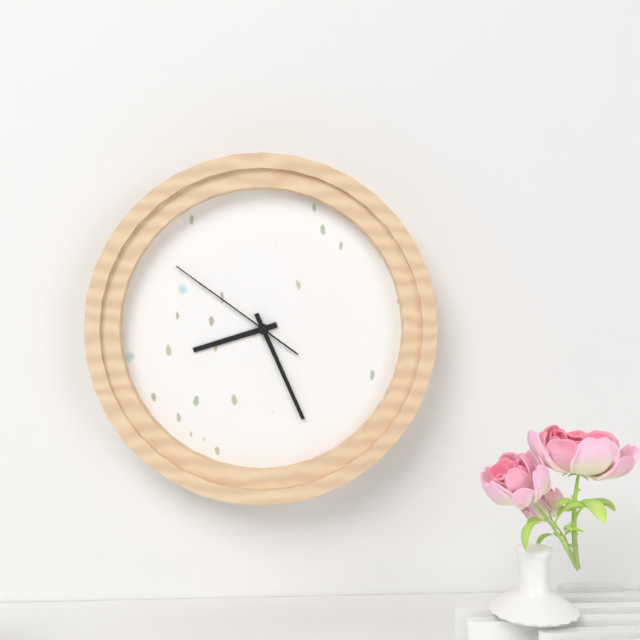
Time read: 8 h 26 min 51 s
